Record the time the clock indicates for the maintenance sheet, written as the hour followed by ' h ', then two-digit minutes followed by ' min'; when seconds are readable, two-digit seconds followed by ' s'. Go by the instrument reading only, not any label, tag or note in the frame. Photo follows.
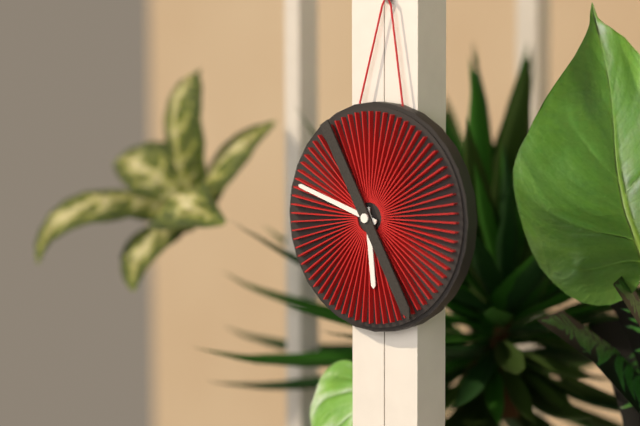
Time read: 5 h 48 min 25 s
